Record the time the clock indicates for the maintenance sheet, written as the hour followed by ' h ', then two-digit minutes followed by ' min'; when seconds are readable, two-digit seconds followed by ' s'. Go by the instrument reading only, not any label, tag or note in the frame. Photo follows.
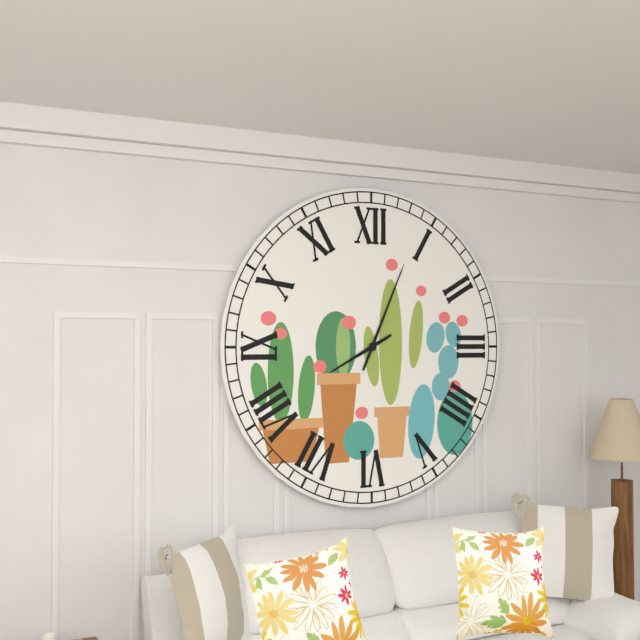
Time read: 8 h 04 min
